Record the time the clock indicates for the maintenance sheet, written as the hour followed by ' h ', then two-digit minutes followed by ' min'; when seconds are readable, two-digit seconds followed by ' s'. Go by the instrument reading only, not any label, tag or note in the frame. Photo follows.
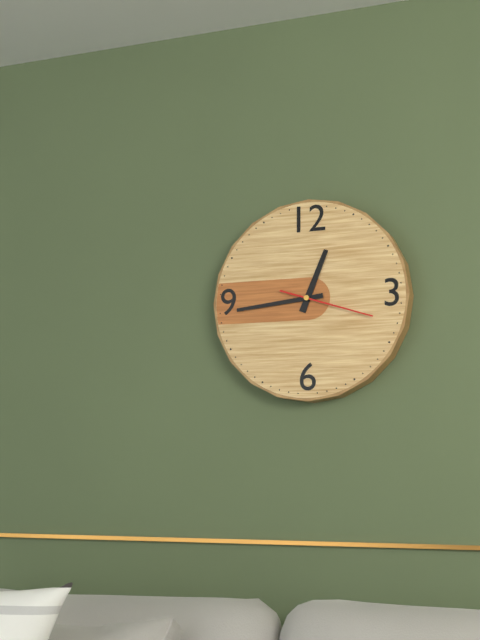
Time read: 12 h 44 min 18 s
